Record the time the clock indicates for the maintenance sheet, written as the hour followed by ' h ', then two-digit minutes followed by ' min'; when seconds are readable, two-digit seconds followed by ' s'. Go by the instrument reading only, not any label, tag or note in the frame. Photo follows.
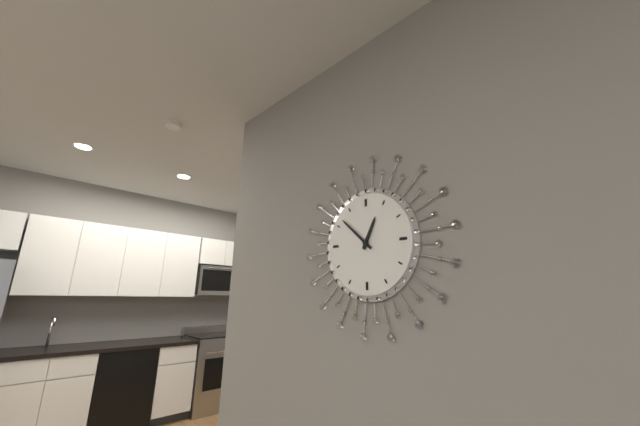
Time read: 12 h 52 min
